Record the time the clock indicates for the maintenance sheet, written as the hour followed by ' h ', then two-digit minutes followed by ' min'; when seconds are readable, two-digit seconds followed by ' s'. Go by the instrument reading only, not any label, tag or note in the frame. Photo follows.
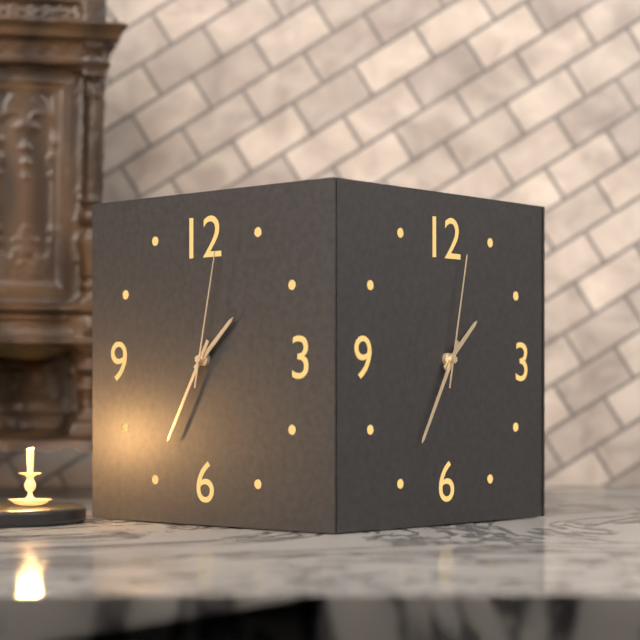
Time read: 1 h 35 min 02 s
